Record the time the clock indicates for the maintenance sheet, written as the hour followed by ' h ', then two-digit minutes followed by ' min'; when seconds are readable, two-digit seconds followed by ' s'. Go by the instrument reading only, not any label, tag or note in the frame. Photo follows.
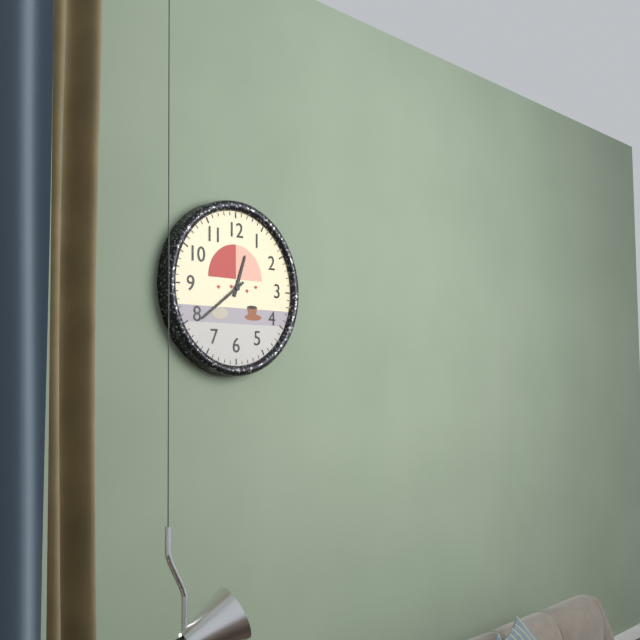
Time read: 12 h 39 min
